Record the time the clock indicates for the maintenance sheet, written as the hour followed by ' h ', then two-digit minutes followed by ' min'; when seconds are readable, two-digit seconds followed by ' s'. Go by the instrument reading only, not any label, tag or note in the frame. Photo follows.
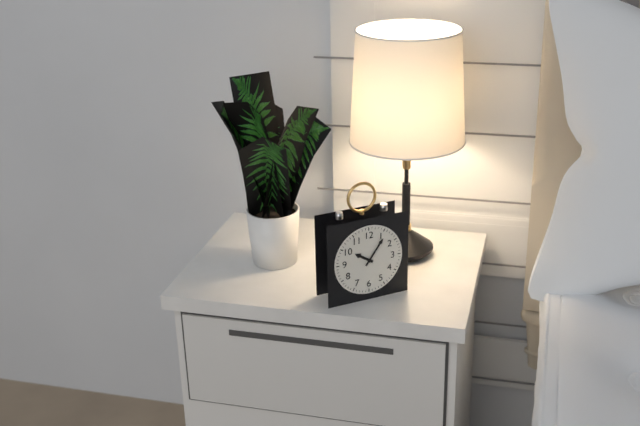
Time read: 10 h 06 min
